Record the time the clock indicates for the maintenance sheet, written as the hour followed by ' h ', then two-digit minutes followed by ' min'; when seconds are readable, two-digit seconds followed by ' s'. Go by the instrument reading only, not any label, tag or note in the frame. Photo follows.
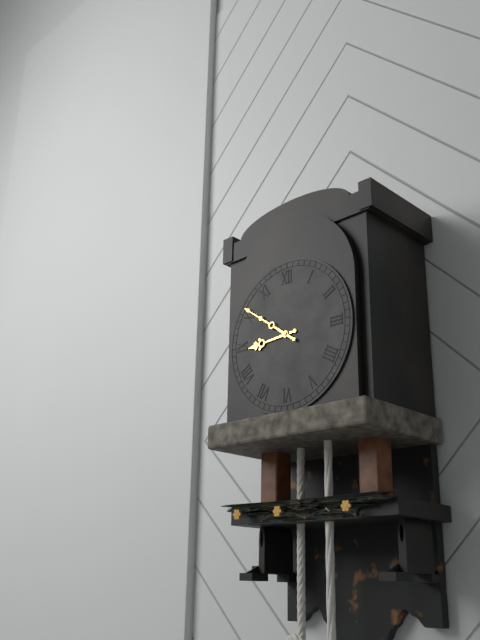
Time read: 8 h 51 min
